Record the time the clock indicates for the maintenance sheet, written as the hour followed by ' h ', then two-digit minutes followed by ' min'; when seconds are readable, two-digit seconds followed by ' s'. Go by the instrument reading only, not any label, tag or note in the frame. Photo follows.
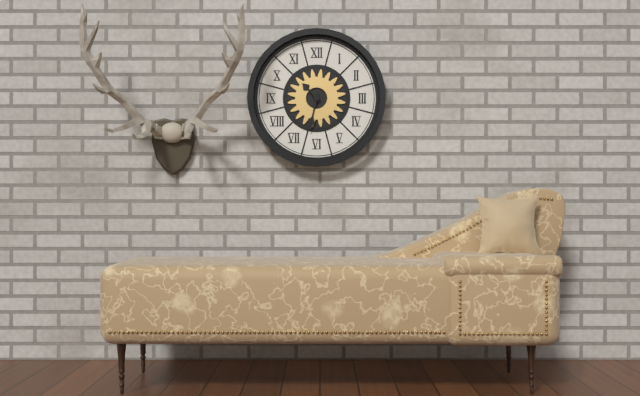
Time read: 10 h 32 min
